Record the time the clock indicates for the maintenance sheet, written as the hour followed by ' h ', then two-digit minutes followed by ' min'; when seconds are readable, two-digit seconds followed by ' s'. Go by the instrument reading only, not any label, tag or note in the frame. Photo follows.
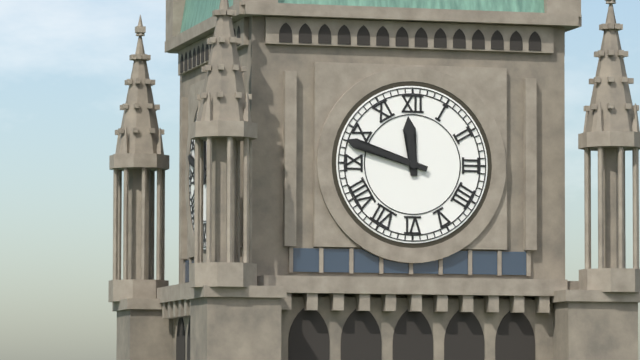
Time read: 11 h 48 min
